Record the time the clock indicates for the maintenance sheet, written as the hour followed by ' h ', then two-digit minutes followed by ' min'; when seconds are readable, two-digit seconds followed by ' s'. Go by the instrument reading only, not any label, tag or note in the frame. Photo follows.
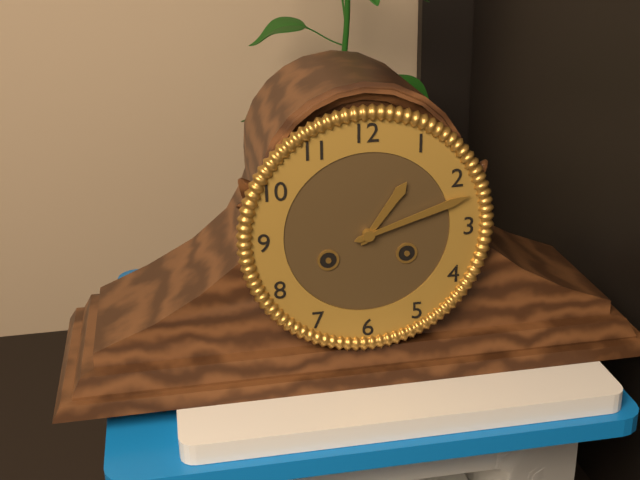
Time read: 1 h 12 min
